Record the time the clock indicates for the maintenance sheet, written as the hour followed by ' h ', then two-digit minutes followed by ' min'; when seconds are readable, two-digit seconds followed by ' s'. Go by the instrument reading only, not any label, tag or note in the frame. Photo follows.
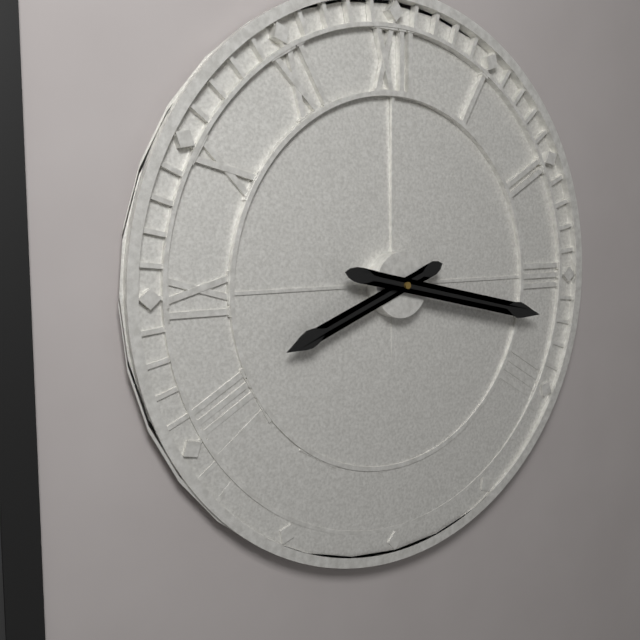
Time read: 8 h 17 min
